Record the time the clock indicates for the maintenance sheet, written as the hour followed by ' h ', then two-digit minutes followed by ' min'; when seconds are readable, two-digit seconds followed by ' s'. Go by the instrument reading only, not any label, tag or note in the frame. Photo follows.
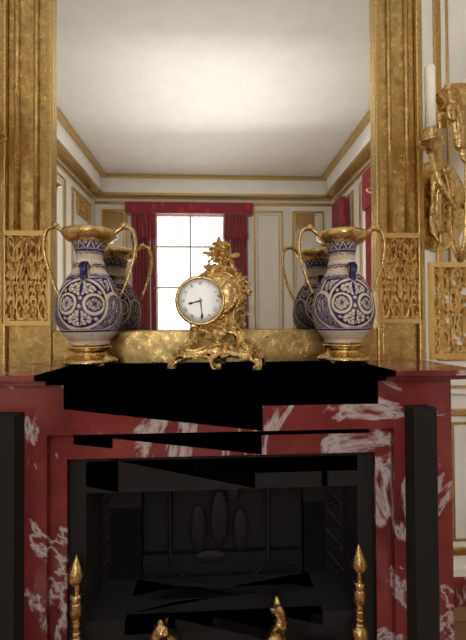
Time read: 8 h 29 min
